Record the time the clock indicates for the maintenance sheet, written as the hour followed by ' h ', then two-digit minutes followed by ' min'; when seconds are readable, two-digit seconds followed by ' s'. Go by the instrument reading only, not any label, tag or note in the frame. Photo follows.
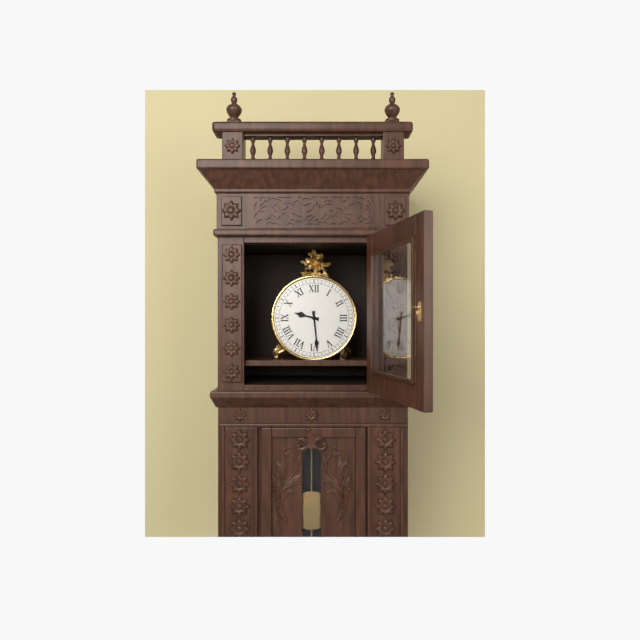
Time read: 9 h 29 min
